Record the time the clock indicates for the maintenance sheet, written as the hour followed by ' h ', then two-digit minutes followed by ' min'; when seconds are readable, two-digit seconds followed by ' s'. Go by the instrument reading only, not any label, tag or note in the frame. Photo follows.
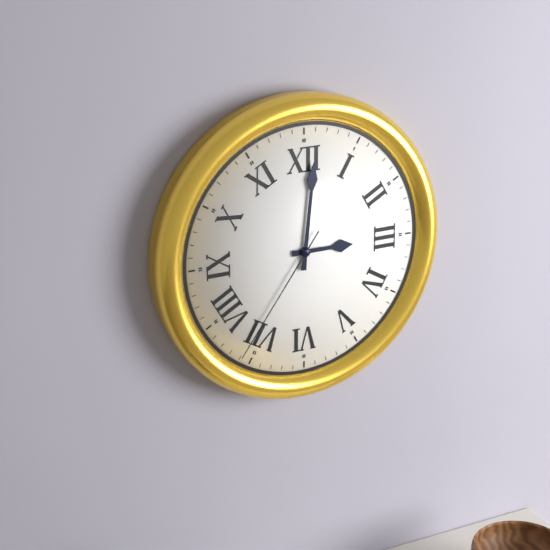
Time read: 3 h 01 min 36 s
